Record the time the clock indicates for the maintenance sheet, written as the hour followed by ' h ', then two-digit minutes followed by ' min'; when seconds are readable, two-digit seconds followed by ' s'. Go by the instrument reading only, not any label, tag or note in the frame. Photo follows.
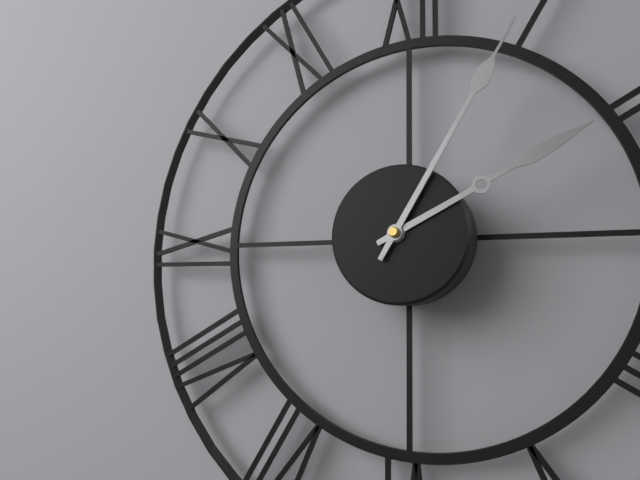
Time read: 2 h 05 min
